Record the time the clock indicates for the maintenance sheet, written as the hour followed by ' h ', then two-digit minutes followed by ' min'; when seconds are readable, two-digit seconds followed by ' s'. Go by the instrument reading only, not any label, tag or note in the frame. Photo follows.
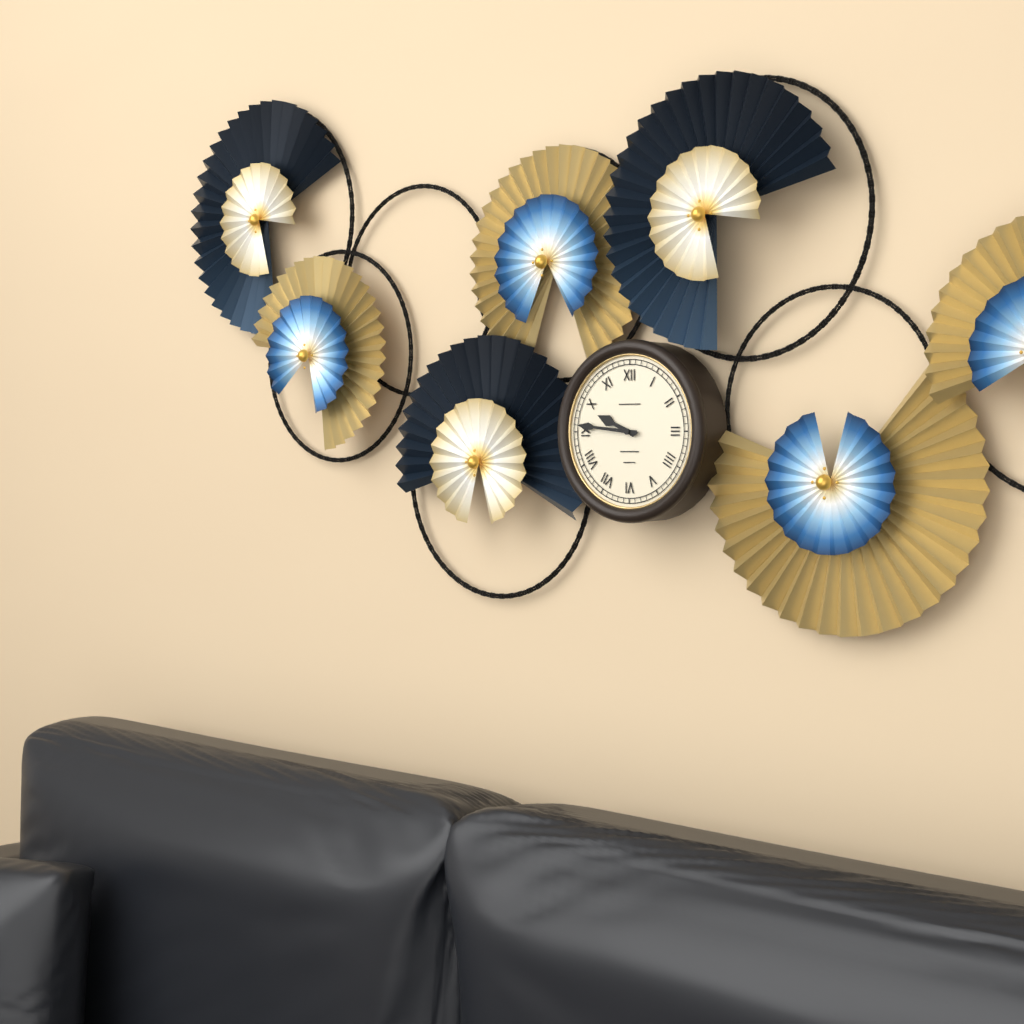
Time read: 9 h 46 min
